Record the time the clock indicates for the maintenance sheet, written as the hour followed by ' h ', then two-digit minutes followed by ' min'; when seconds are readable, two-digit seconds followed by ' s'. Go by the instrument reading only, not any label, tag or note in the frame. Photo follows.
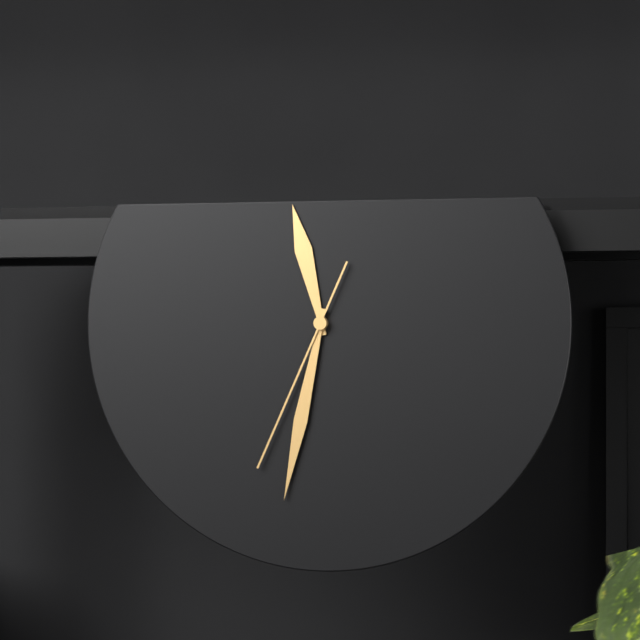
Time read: 11 h 32 min 34 s
